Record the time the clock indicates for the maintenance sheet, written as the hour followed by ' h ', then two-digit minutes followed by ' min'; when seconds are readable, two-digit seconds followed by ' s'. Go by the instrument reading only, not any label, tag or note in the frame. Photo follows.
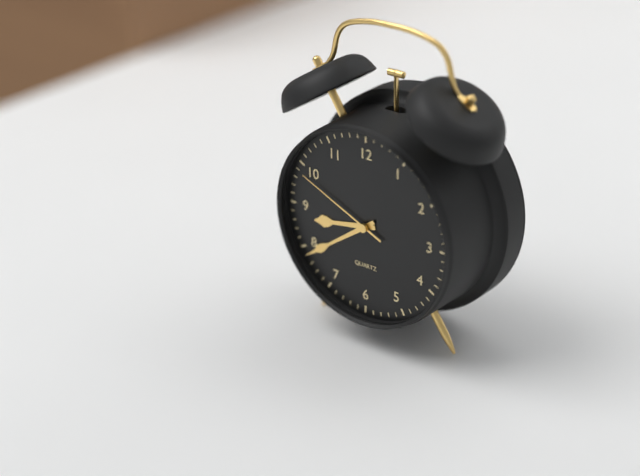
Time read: 8 h 39 min 49 s
